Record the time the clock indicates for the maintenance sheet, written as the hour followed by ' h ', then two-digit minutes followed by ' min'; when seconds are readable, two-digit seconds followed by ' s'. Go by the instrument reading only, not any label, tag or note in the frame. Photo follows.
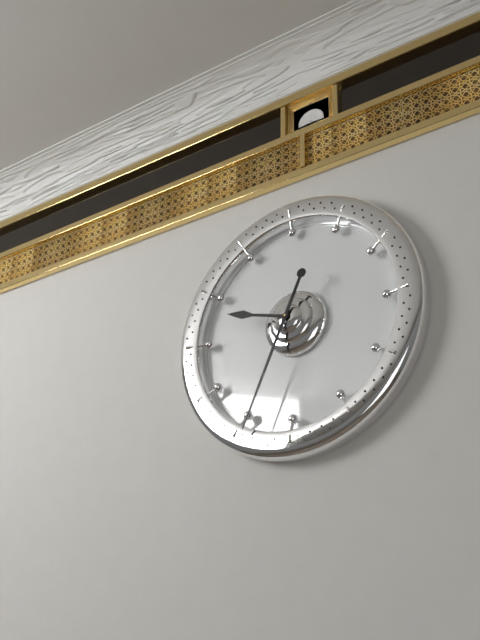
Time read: 9 h 34 min
